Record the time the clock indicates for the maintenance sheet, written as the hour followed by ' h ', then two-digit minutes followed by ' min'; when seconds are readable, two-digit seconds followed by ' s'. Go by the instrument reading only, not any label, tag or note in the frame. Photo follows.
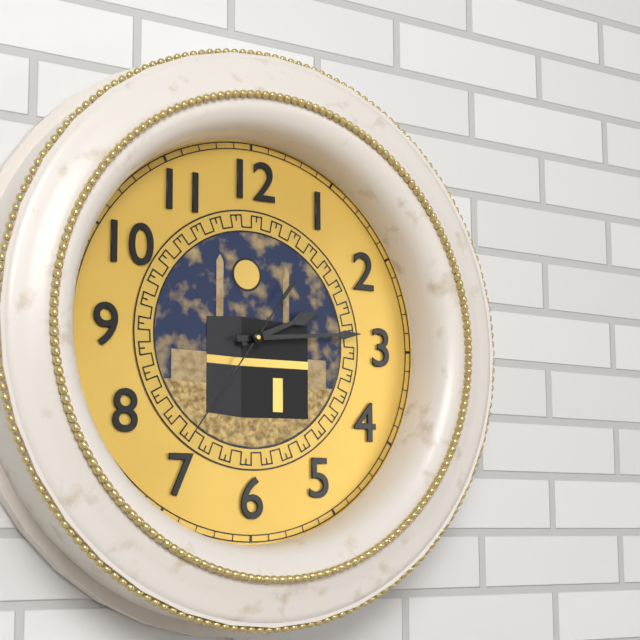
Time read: 2 h 14 min 36 s
